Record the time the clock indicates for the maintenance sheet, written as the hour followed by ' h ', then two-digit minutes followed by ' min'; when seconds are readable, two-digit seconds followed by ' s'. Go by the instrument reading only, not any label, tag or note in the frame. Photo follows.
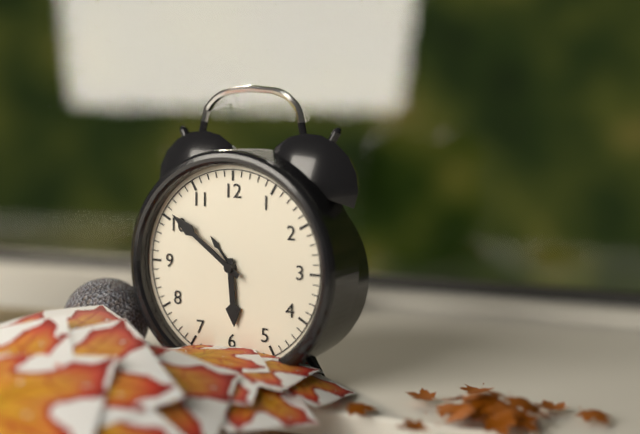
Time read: 5 h 51 min
